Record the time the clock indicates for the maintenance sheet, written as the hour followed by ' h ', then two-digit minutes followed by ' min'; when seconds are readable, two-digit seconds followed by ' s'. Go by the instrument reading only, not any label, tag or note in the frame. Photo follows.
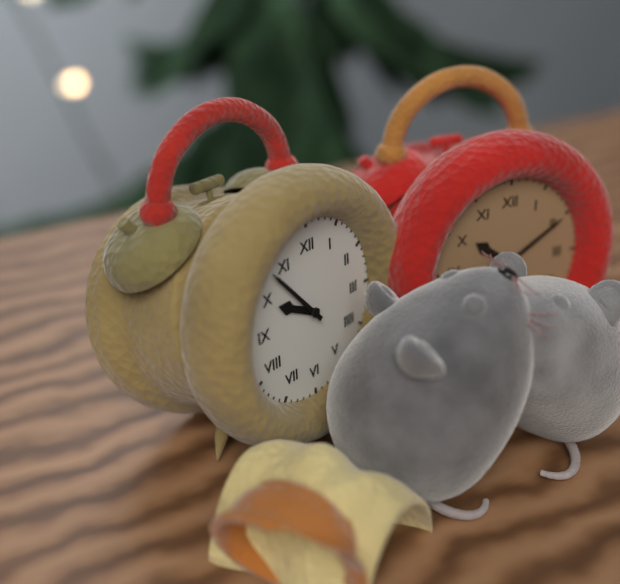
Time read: 9 h 53 min
